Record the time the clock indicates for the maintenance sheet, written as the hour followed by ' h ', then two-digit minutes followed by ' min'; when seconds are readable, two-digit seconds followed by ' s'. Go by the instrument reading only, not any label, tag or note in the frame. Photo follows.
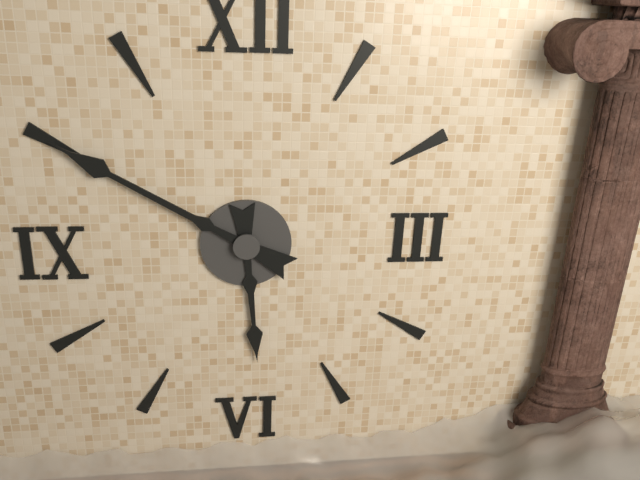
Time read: 5 h 50 min
